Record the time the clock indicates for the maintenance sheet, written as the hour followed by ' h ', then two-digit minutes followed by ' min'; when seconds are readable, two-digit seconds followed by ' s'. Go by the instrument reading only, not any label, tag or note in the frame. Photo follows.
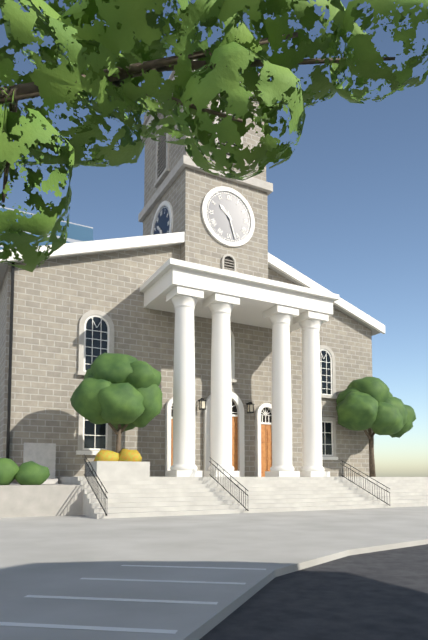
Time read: 10 h 27 min
